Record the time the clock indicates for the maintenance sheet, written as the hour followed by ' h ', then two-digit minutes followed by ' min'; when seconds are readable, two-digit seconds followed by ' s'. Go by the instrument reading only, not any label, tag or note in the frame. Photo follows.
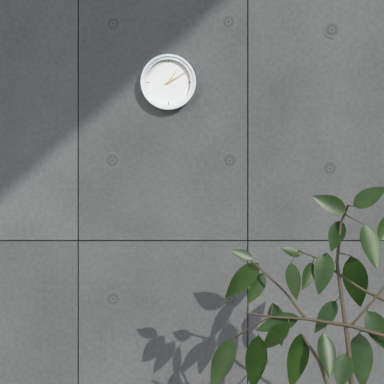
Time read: 1 h 10 min
